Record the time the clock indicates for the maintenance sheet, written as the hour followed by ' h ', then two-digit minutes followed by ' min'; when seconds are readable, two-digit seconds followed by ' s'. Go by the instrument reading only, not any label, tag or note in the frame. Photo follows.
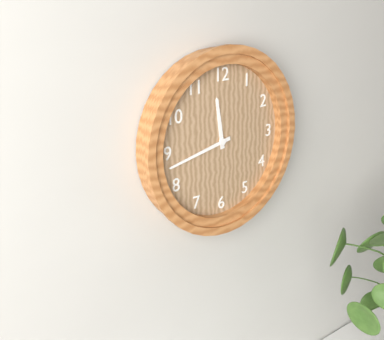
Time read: 11 h 43 min
